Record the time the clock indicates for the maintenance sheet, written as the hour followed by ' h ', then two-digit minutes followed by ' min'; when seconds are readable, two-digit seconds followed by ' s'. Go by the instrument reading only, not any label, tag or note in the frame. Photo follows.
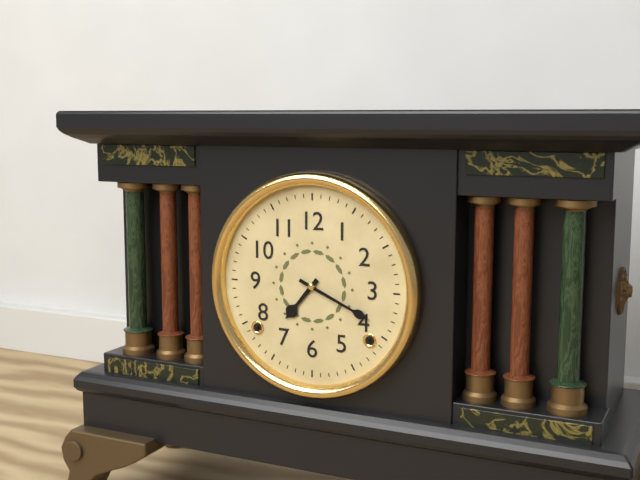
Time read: 7 h 19 min
